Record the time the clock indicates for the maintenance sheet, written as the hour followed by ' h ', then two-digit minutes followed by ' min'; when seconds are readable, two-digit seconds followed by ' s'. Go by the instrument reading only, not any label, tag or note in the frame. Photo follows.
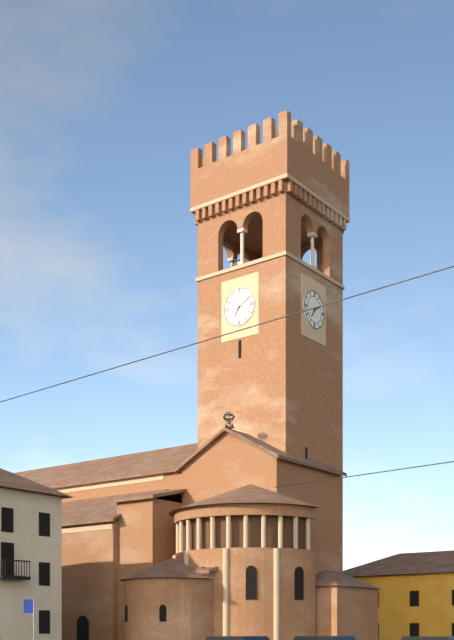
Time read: 7 h 10 min
